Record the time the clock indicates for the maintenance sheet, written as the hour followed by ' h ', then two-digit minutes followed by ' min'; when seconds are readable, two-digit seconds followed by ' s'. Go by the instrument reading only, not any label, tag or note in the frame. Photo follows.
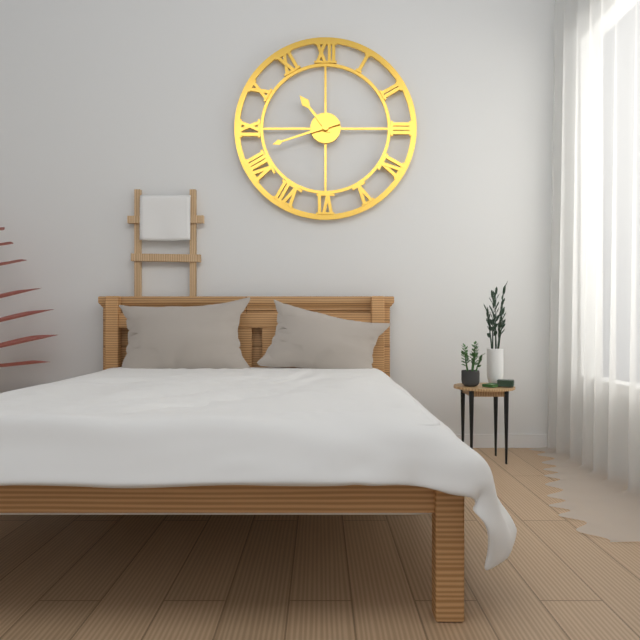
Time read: 10 h 42 min
